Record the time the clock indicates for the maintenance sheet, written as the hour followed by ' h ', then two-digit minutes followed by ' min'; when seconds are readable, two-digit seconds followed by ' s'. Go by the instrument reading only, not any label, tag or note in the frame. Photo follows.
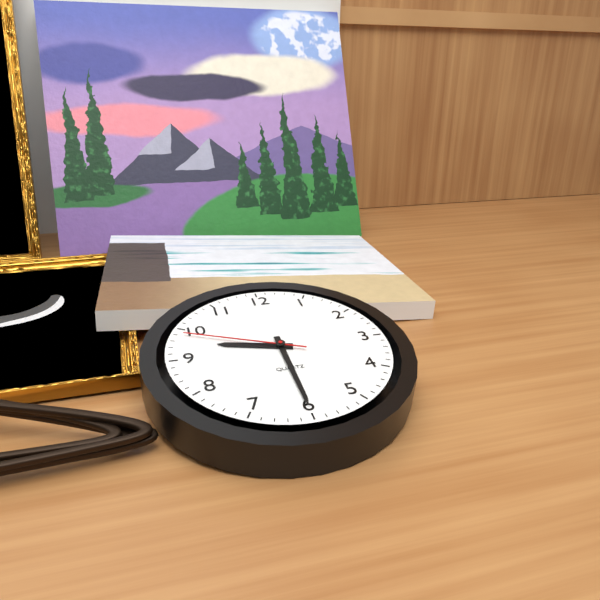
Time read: 9 h 30 min 49 s
